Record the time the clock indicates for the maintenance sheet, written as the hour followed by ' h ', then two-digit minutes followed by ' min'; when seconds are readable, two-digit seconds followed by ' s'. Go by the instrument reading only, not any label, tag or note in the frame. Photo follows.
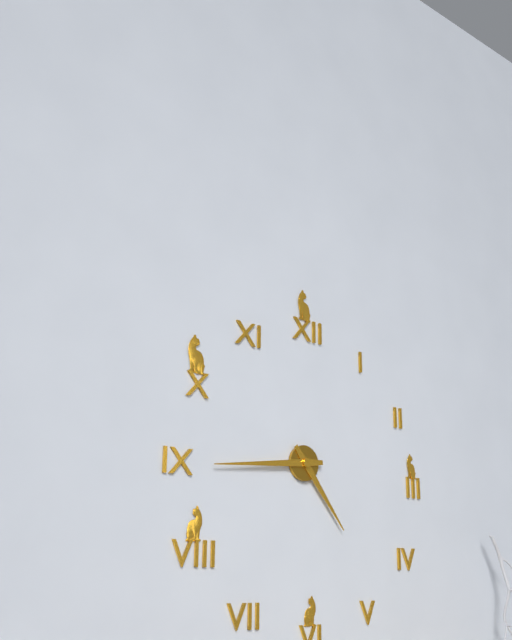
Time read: 4 h 44 min
